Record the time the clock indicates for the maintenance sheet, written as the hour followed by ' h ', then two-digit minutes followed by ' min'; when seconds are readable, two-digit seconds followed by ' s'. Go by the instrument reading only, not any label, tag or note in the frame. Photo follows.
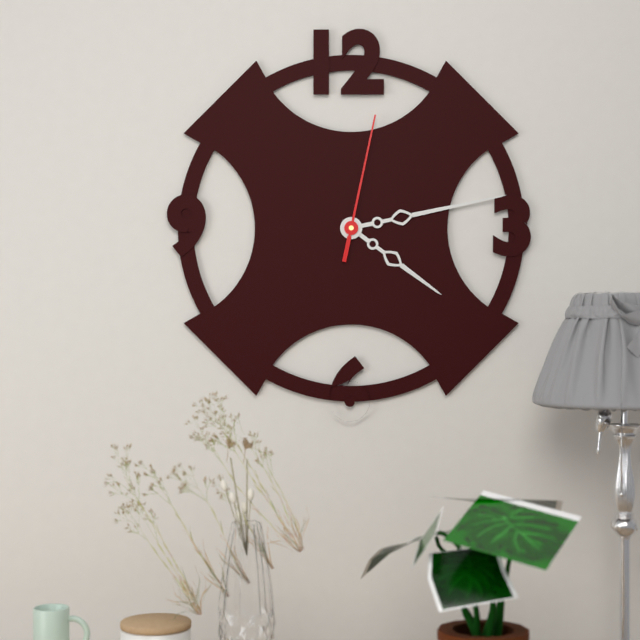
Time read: 4 h 13 min 02 s
